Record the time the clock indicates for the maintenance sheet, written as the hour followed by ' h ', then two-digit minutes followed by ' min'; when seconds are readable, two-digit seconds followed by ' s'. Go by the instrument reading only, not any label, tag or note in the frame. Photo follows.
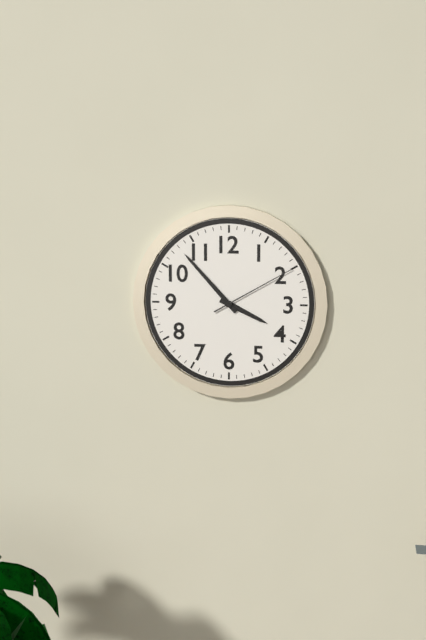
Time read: 3 h 53 min 10 s
